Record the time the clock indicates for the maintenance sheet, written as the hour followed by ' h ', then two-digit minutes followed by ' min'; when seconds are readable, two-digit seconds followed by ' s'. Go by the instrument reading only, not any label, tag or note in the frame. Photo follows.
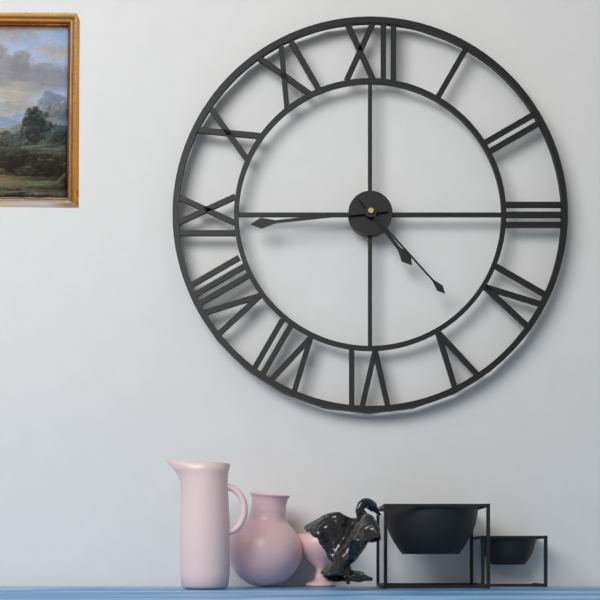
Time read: 4 h 44 min 23 s
